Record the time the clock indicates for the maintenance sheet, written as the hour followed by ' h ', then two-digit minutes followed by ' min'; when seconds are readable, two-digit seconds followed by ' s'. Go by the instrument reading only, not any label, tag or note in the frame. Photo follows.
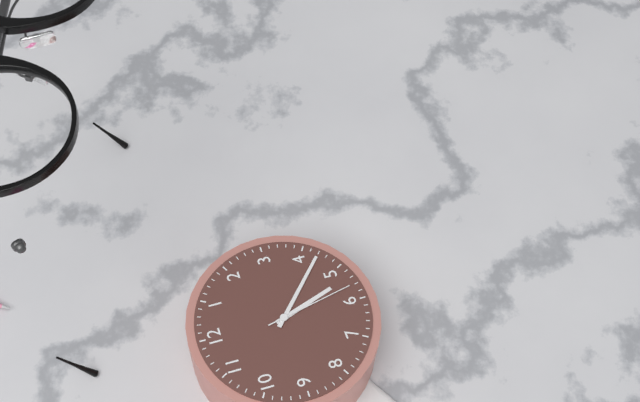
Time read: 5 h 22 min 28 s
